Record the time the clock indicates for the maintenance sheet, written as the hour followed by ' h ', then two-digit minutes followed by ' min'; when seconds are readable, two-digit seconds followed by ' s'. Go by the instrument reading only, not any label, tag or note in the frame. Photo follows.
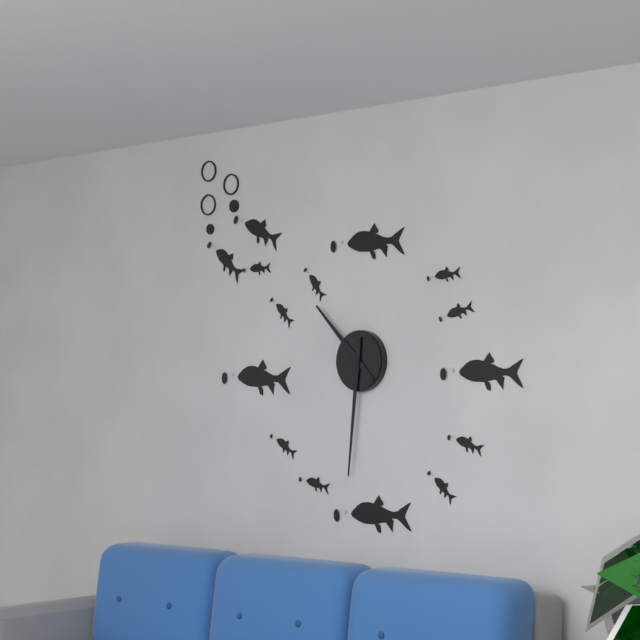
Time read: 10 h 31 min
